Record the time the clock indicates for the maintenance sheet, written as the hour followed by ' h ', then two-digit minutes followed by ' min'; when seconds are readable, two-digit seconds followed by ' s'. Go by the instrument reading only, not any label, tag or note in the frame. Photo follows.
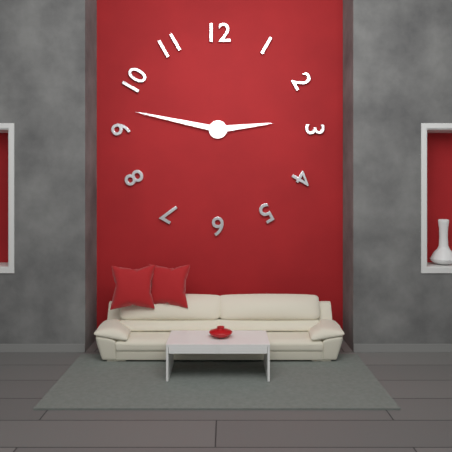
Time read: 2 h 47 min
